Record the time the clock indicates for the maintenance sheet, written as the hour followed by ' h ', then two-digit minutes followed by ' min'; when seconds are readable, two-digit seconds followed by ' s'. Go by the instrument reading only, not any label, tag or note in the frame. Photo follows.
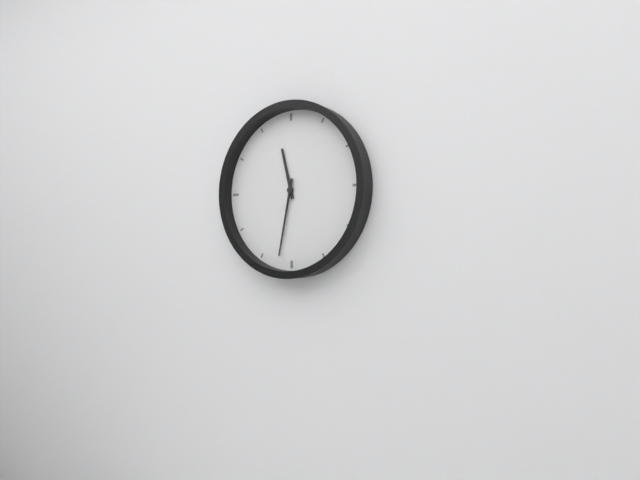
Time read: 11 h 32 min
